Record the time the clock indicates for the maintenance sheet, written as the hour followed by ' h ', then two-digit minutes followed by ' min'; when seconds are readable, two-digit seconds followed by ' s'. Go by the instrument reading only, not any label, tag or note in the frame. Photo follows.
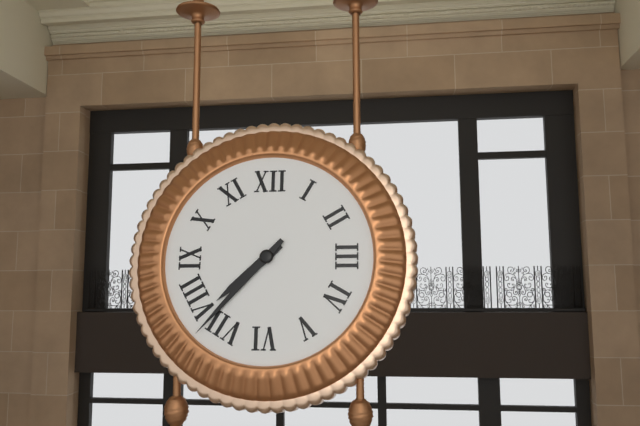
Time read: 7 h 37 min
